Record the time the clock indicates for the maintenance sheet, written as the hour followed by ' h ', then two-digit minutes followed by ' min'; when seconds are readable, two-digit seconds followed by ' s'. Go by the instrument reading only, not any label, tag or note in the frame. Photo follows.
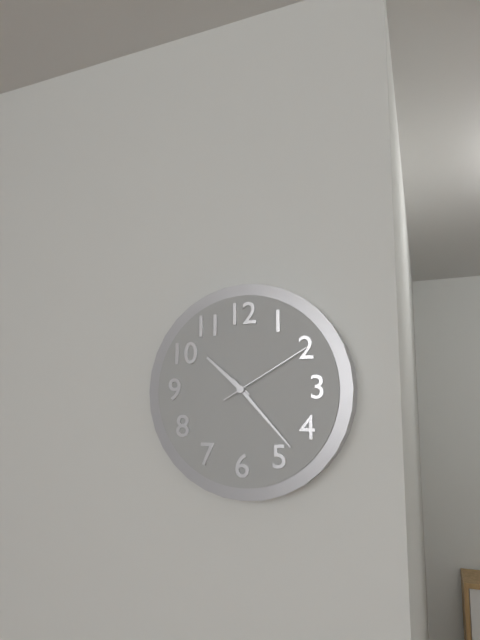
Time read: 10 h 23 min 10 s
